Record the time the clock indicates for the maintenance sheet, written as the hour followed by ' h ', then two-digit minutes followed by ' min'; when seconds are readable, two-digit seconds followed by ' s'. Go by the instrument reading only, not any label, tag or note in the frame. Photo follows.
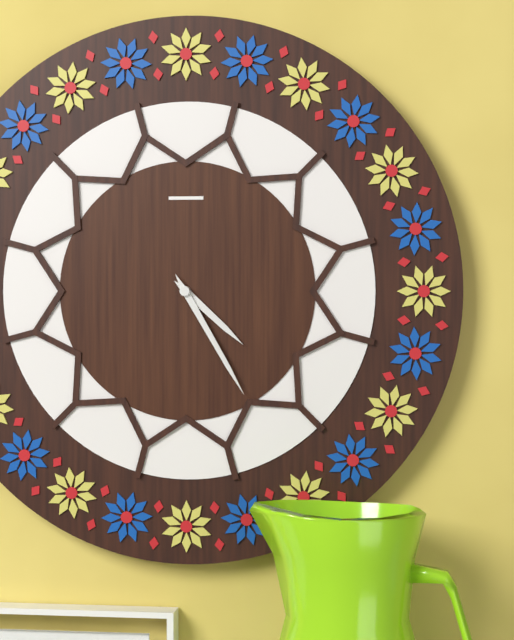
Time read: 4 h 25 min
